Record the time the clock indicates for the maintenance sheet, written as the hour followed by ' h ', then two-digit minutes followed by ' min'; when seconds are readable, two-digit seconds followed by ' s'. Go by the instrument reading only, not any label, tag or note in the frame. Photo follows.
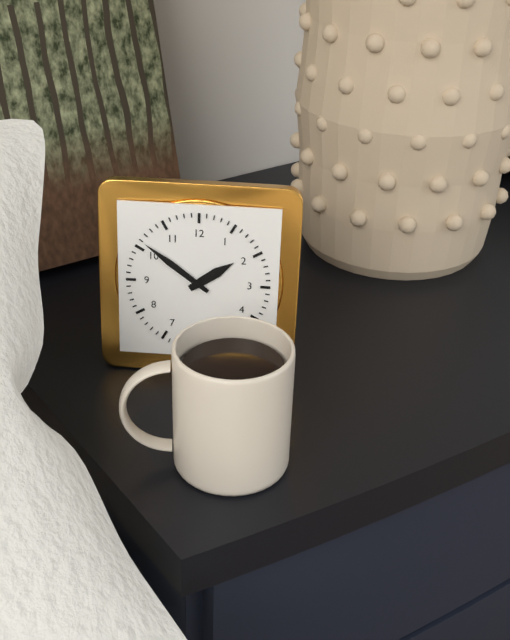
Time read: 1 h 51 min
